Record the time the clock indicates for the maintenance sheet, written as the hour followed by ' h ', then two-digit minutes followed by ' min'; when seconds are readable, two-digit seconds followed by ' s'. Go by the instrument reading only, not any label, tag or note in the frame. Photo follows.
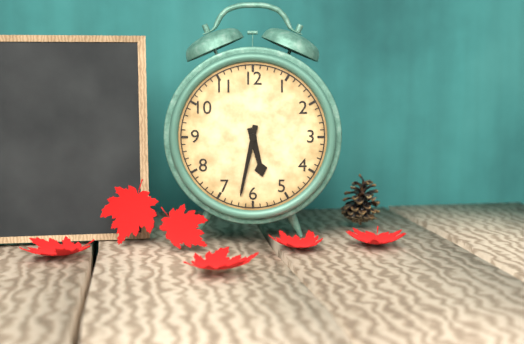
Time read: 5 h 32 min
